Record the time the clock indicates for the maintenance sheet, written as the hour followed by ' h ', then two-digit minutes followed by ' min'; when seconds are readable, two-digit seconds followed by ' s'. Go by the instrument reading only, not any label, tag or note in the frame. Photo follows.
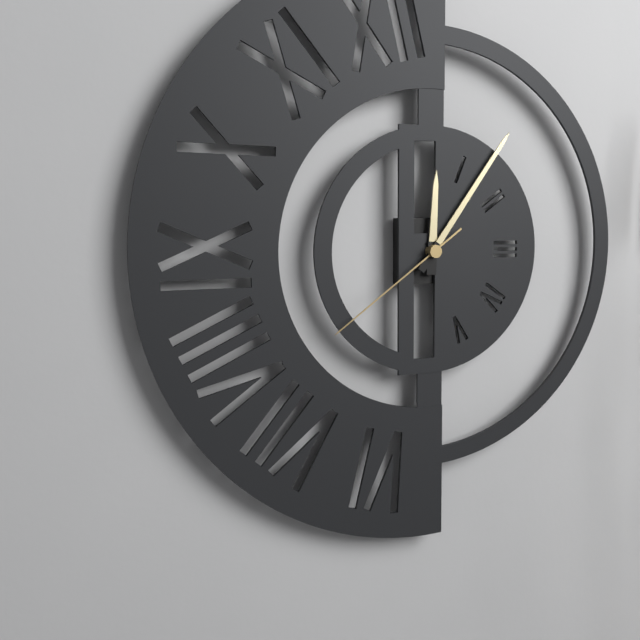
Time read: 12 h 06 min 39 s
